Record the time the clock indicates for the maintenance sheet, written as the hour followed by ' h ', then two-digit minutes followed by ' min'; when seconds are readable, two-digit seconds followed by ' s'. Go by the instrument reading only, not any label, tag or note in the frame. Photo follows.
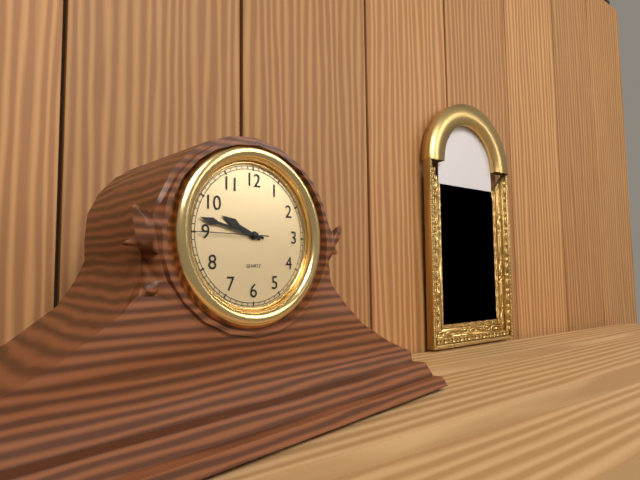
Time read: 9 h 47 min 45 s
